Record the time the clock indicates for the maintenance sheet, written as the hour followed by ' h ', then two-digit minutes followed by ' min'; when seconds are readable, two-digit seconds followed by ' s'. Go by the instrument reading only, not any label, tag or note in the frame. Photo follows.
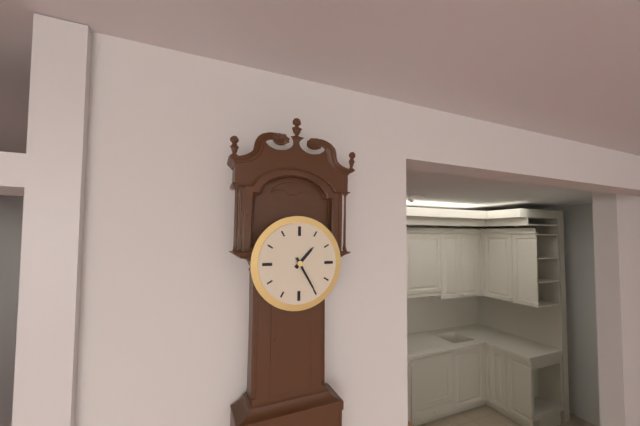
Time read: 1 h 25 min
